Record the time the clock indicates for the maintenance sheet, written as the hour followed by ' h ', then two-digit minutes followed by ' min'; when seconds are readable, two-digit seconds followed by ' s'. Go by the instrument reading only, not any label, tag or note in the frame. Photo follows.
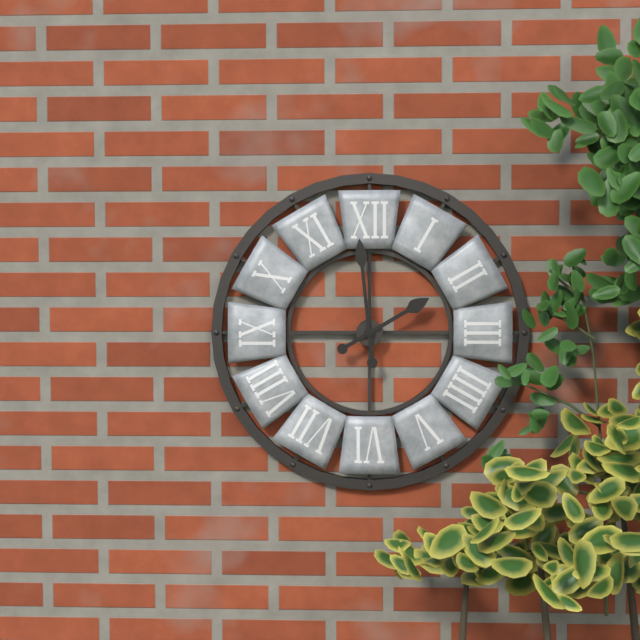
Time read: 1 h 59 min
